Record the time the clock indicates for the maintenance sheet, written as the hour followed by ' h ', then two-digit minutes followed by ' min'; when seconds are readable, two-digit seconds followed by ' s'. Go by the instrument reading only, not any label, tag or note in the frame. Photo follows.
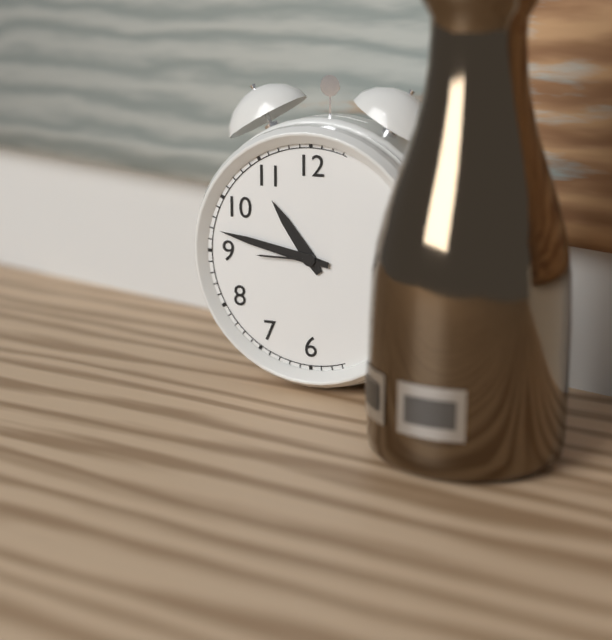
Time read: 10 h 47 min
